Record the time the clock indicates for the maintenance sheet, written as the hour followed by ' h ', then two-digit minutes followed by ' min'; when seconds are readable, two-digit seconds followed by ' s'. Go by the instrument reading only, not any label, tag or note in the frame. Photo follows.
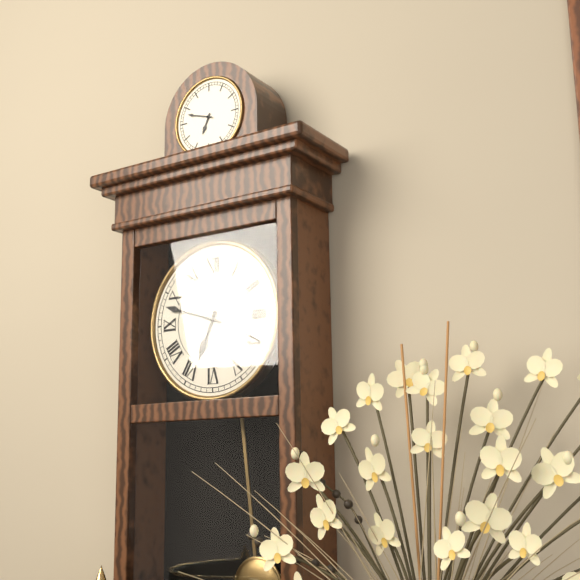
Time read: 6 h 48 min
